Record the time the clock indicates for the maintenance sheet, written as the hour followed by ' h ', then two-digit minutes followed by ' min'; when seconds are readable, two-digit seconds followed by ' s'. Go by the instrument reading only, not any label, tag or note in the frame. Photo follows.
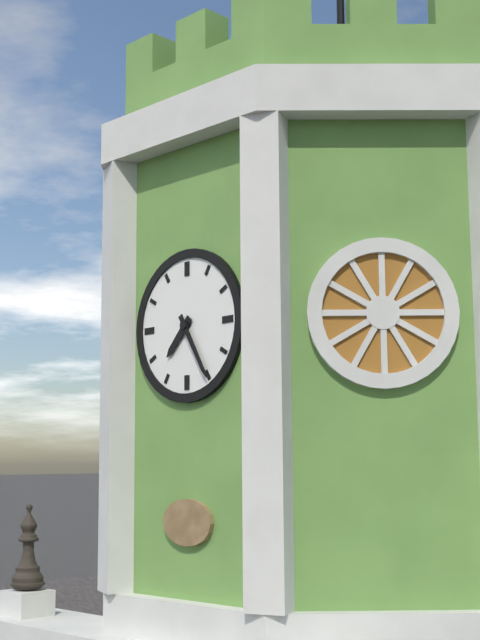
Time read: 7 h 25 min
